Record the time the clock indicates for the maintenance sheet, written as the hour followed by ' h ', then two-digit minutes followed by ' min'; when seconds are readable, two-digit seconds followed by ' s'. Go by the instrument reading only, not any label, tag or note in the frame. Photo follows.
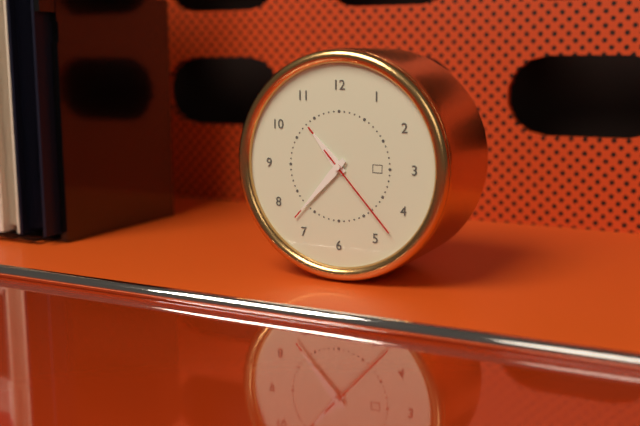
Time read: 10 h 37 min 23 s
